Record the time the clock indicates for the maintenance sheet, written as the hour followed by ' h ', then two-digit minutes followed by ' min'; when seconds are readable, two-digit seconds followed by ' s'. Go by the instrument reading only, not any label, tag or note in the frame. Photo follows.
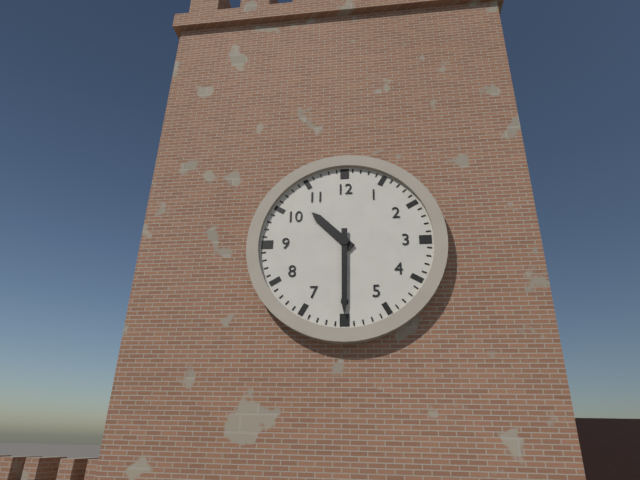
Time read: 10 h 30 min
